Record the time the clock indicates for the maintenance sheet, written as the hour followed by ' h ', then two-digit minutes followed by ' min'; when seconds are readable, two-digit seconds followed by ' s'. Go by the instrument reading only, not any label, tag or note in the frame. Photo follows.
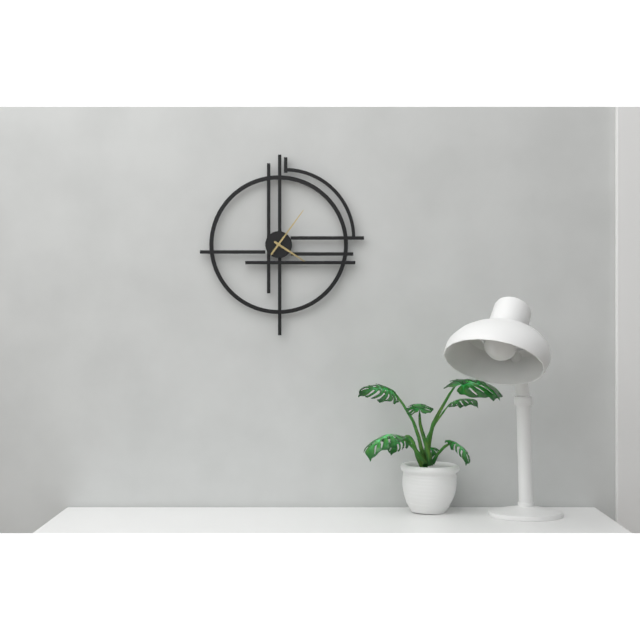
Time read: 4 h 06 min
